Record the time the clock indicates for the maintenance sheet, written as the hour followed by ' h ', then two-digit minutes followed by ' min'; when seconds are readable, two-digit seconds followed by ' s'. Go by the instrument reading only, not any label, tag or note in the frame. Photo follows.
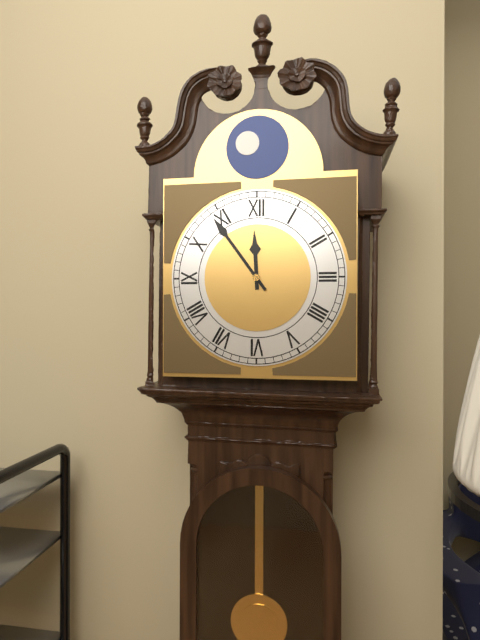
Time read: 11 h 54 min
